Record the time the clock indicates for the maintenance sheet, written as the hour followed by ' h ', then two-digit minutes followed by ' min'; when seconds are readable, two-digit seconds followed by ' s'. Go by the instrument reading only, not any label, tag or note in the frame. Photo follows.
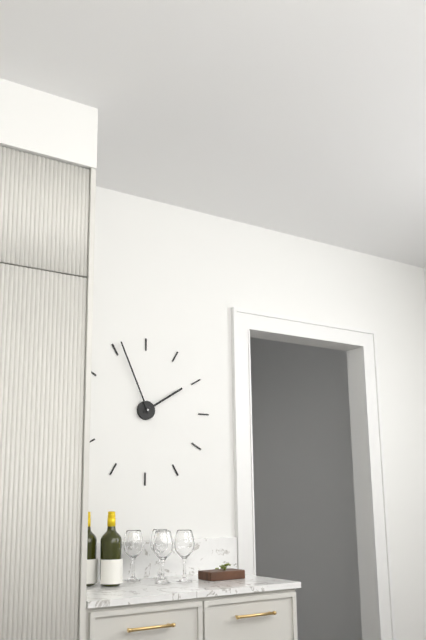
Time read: 1 h 56 min
